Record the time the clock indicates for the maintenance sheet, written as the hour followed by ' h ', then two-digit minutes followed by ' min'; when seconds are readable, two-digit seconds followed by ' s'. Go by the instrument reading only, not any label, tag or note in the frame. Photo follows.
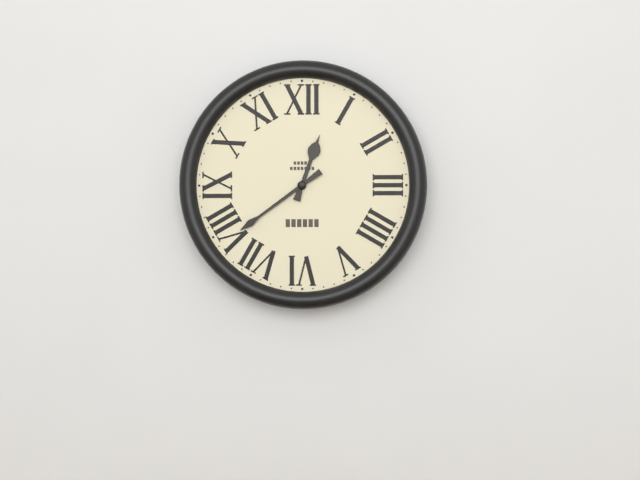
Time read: 12 h 39 min
